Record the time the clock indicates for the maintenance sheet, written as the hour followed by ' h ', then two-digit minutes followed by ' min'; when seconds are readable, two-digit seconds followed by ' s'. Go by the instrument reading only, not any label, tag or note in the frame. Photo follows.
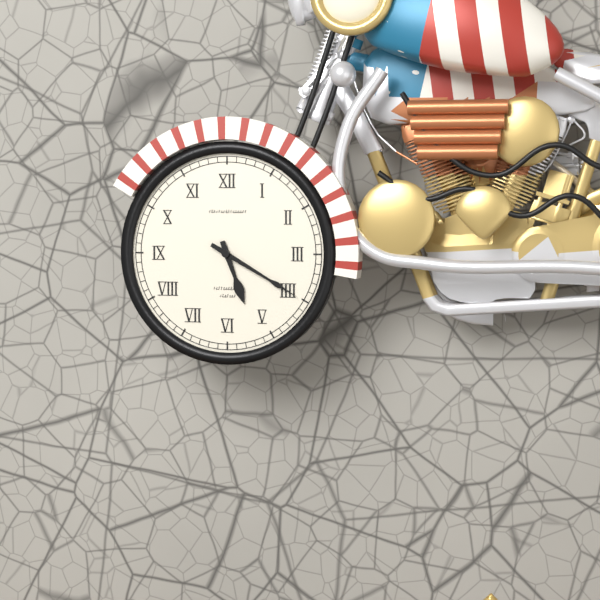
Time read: 5 h 20 min
